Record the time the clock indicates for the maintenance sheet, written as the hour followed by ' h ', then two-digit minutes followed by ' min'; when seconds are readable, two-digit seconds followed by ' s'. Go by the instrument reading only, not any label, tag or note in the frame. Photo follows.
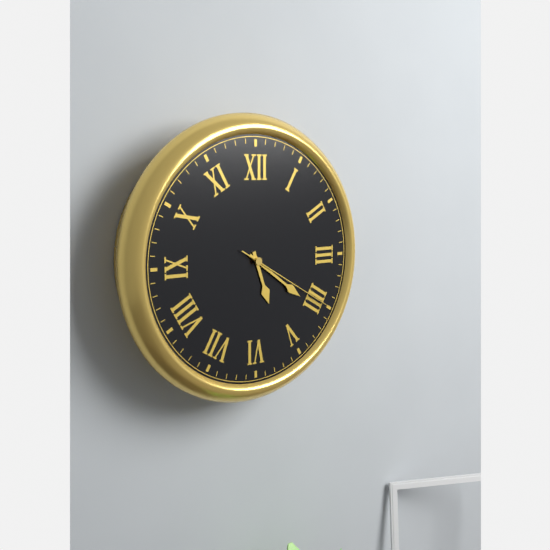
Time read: 5 h 21 min 20 s
